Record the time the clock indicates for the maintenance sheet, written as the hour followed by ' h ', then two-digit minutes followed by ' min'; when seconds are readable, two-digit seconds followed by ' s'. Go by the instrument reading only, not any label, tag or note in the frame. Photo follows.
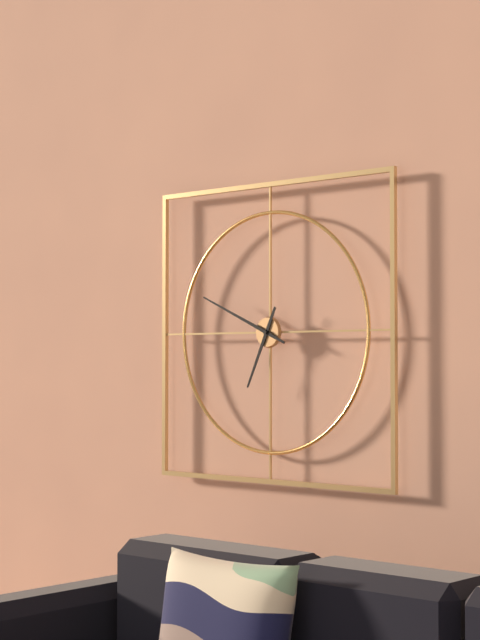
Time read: 6 h 49 min
